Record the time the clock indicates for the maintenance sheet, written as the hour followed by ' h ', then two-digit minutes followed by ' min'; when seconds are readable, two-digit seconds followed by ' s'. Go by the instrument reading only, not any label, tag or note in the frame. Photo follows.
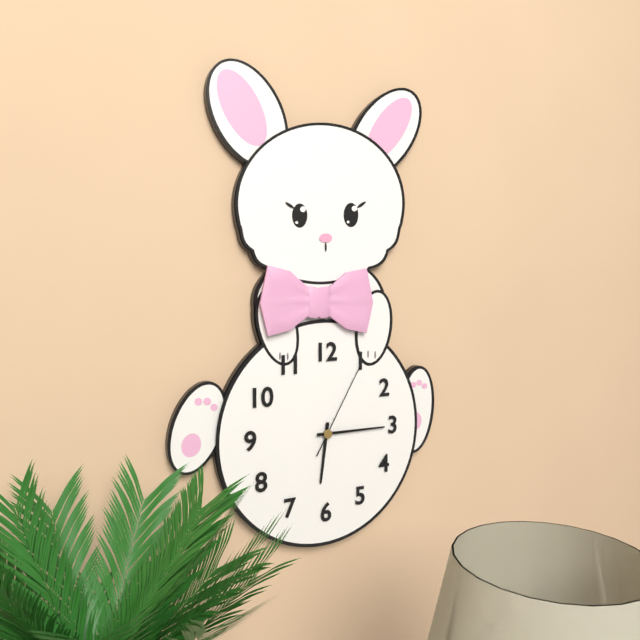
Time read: 6 h 15 min 05 s
